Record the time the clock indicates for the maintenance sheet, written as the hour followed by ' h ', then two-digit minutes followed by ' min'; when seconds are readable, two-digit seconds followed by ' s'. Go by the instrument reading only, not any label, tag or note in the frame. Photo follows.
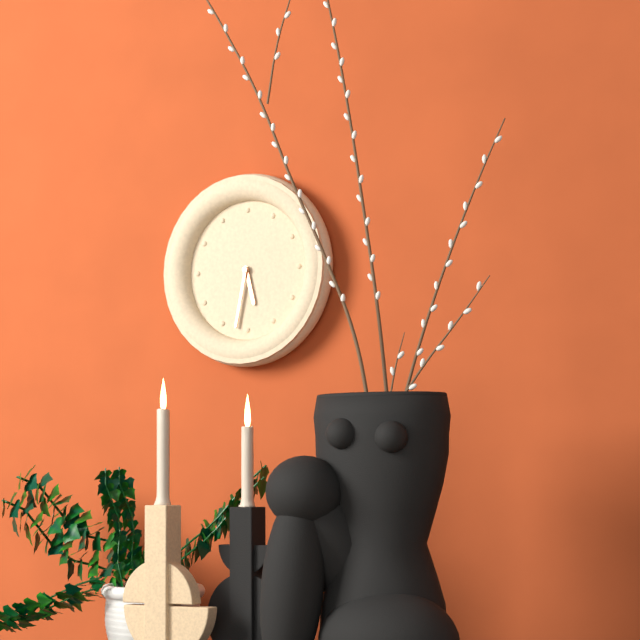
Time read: 5 h 32 min
